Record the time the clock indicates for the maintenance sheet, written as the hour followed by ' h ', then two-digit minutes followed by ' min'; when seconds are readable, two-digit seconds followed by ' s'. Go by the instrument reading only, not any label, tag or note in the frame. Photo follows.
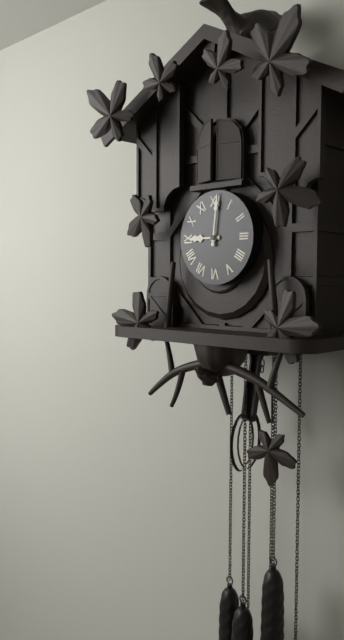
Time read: 9 h 01 min
